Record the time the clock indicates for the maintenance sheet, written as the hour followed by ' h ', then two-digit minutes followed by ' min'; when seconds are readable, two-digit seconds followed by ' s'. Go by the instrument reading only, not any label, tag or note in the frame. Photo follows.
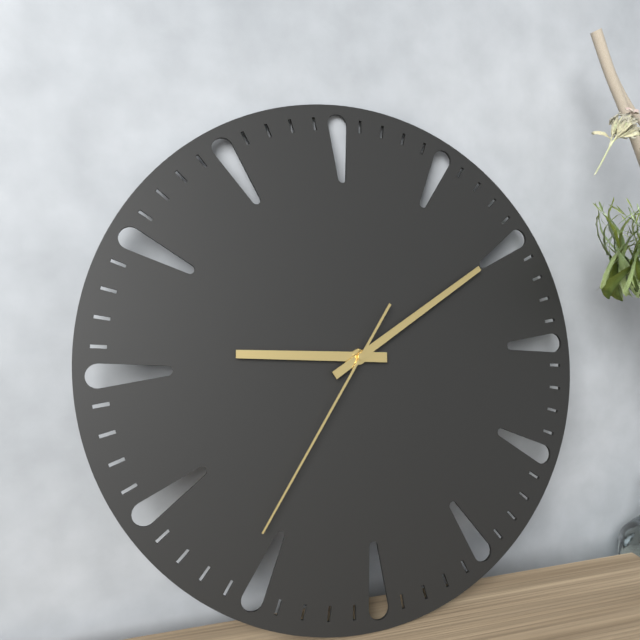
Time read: 9 h 10 min 36 s
